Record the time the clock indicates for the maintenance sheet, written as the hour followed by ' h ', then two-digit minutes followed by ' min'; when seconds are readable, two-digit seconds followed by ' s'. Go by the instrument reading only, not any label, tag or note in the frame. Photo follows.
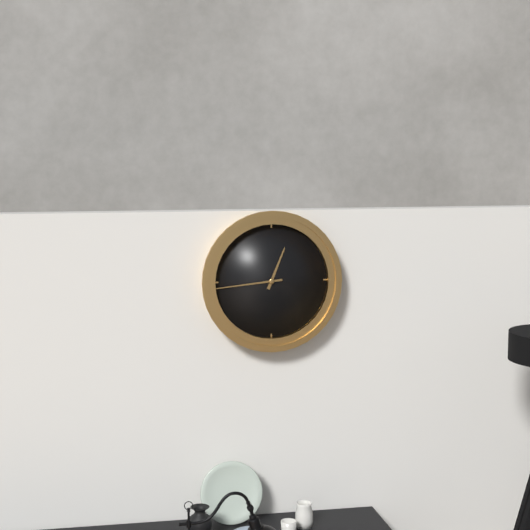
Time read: 12 h 44 min
